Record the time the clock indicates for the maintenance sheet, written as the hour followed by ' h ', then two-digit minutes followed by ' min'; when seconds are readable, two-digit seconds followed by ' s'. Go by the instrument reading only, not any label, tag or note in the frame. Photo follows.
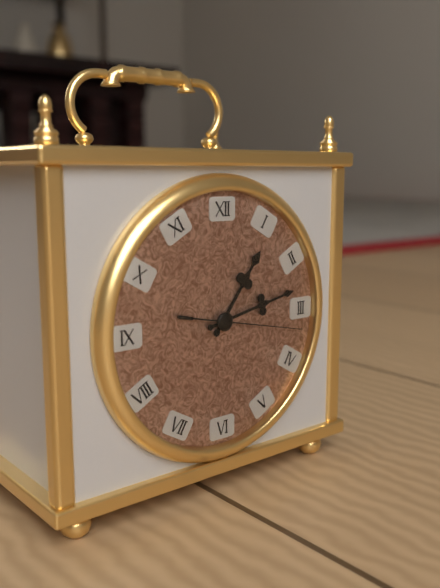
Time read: 1 h 13 min 17 s
